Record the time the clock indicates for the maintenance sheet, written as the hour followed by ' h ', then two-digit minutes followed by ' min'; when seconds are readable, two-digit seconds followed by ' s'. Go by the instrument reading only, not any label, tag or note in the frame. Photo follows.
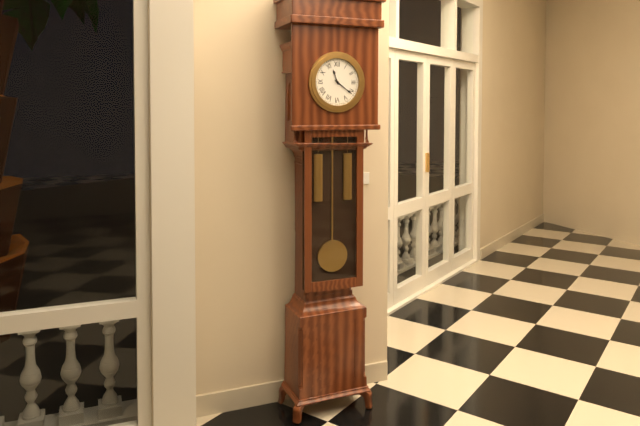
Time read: 11 h 21 min
